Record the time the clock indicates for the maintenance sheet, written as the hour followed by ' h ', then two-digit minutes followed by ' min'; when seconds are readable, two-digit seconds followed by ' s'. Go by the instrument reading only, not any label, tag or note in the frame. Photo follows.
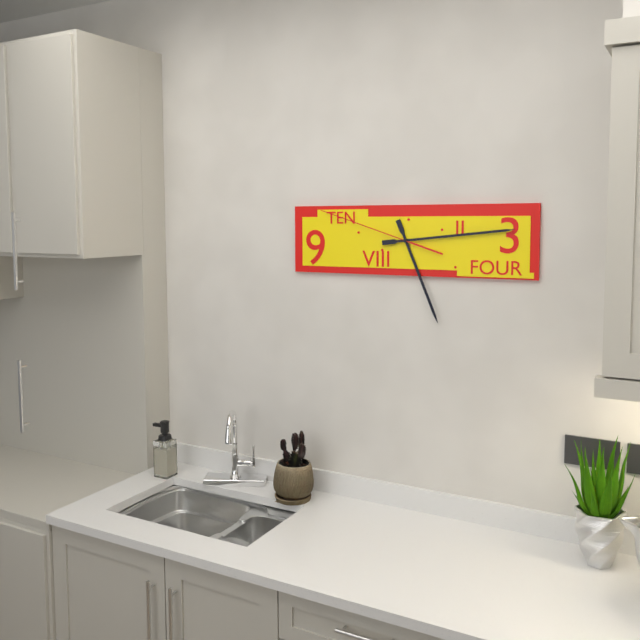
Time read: 5 h 14 min 48 s
